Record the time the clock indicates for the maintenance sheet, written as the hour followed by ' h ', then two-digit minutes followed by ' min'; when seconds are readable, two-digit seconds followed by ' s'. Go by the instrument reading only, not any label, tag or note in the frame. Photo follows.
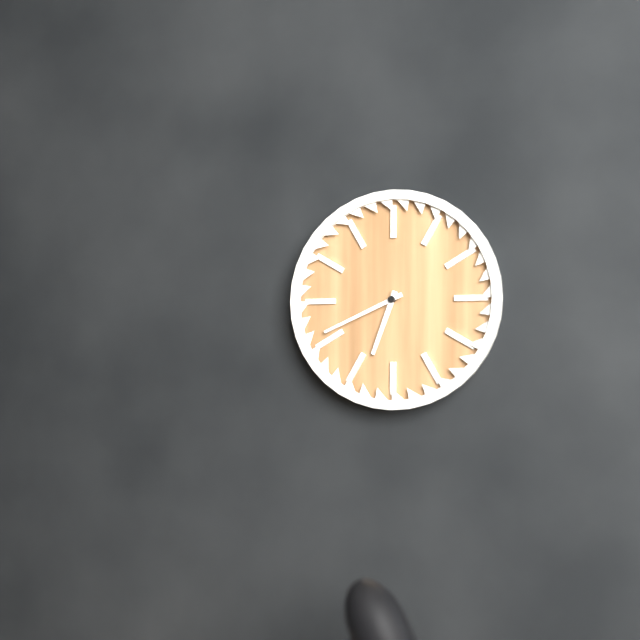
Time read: 6 h 41 min
